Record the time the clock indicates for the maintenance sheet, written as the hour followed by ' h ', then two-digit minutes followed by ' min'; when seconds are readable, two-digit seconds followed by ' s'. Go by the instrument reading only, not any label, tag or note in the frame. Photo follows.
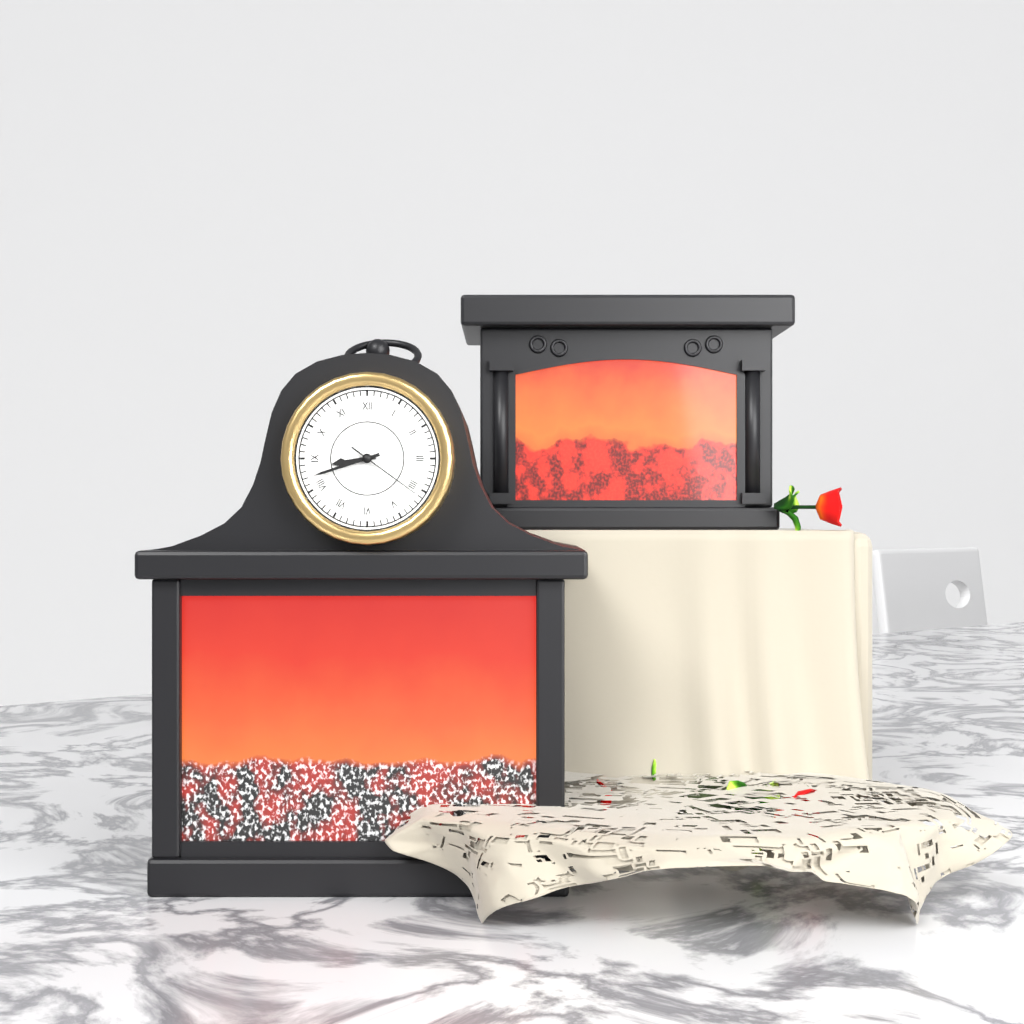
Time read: 8 h 42 min 21 s
